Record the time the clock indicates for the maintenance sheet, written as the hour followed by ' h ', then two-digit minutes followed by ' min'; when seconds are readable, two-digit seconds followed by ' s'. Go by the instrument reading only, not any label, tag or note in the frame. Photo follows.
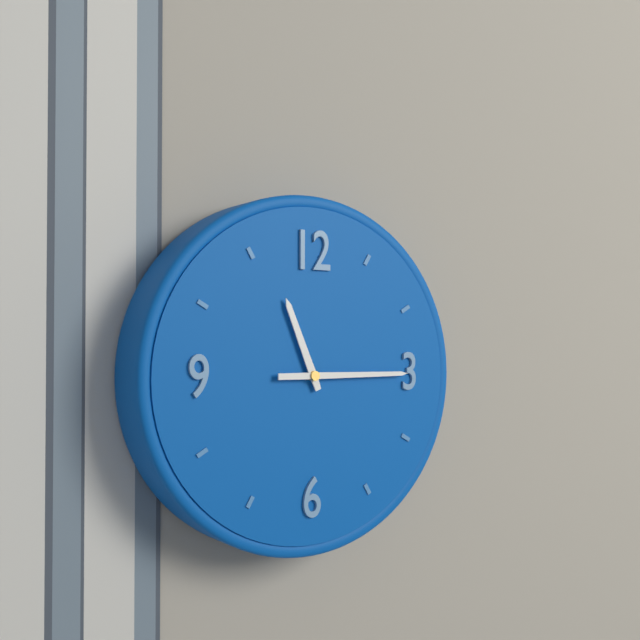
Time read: 11 h 15 min
